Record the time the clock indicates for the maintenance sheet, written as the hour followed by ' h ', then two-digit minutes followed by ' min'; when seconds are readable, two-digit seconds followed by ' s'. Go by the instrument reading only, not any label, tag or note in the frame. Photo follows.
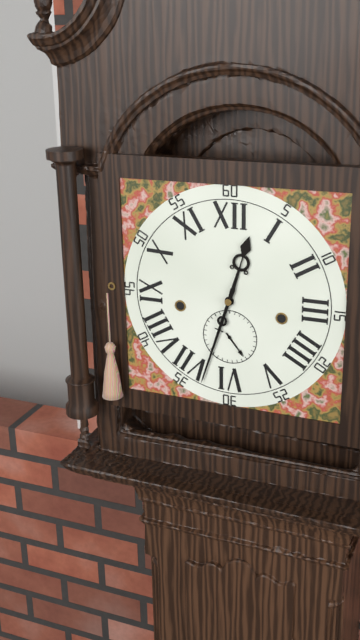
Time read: 12 h 33 min
